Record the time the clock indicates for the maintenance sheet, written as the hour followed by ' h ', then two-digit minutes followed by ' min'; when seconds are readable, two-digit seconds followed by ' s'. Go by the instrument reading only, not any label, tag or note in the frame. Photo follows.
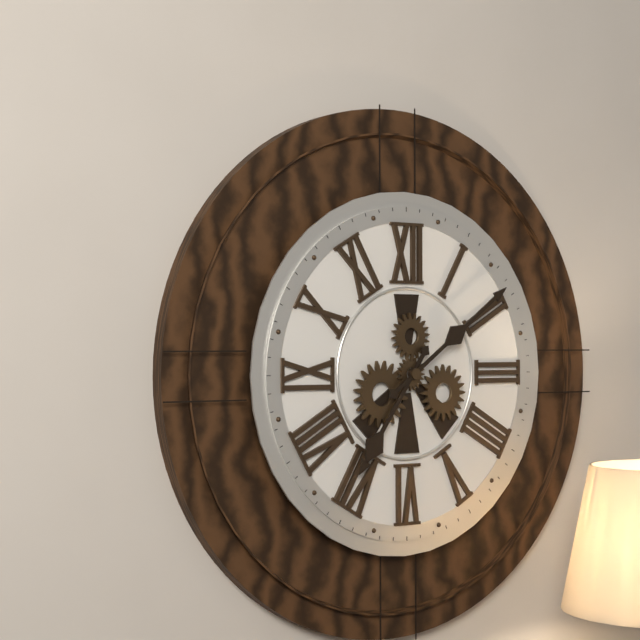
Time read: 7 h 09 min
